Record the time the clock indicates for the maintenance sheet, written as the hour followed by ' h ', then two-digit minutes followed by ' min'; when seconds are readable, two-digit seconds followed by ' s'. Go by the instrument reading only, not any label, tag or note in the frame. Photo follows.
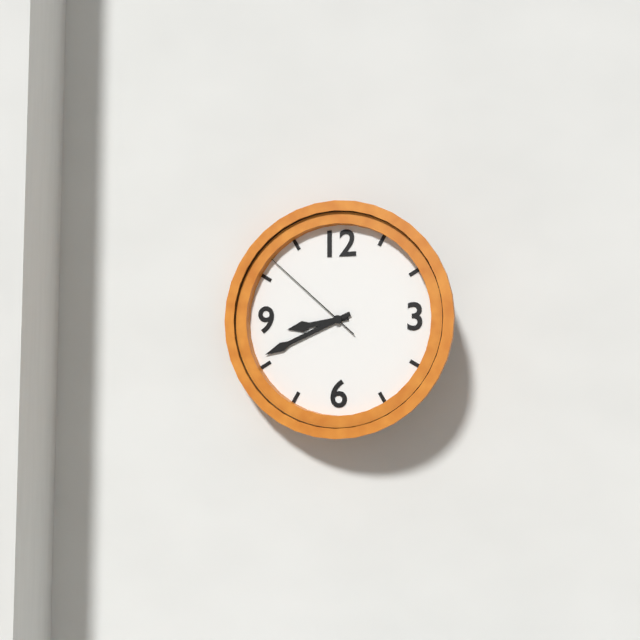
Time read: 8 h 41 min 52 s
